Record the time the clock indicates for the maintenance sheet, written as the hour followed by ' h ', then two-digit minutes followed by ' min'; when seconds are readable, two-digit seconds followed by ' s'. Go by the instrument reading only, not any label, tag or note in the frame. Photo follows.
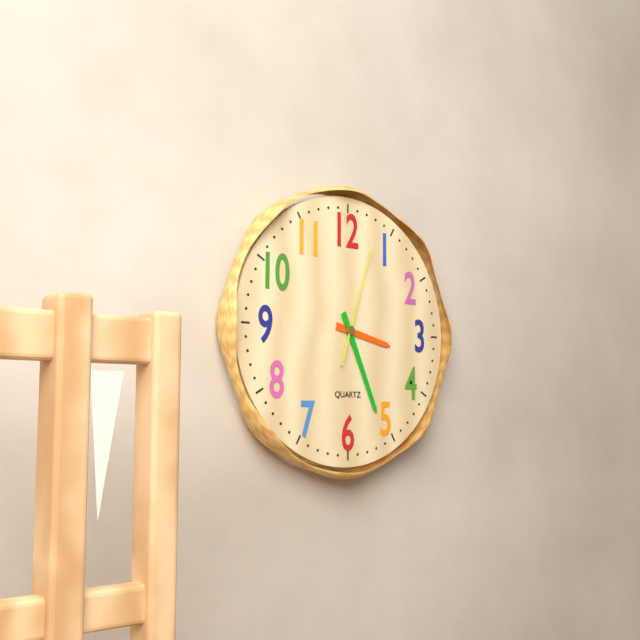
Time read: 3 h 26 min 03 s
